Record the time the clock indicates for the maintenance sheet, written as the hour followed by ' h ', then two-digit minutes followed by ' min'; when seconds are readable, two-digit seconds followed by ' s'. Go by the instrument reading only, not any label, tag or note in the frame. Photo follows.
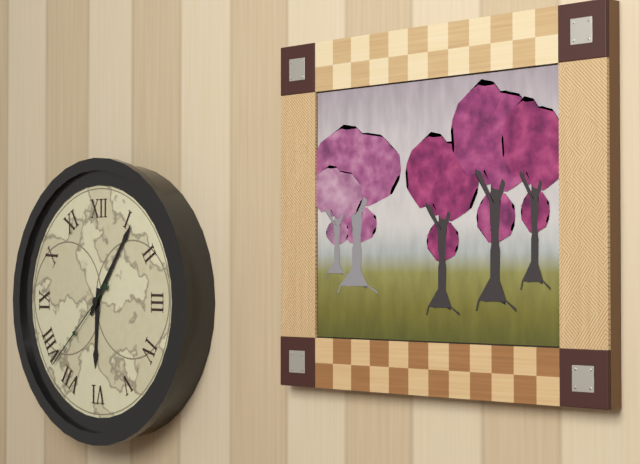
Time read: 6 h 06 min 38 s
